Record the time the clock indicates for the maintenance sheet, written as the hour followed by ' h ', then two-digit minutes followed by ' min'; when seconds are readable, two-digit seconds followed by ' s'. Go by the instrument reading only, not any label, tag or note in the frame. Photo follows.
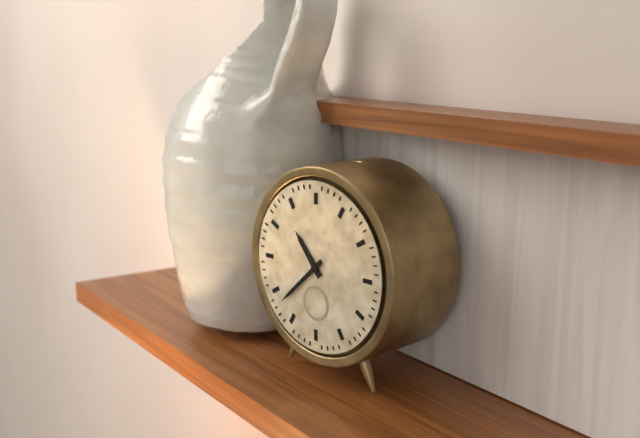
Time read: 10 h 38 min
